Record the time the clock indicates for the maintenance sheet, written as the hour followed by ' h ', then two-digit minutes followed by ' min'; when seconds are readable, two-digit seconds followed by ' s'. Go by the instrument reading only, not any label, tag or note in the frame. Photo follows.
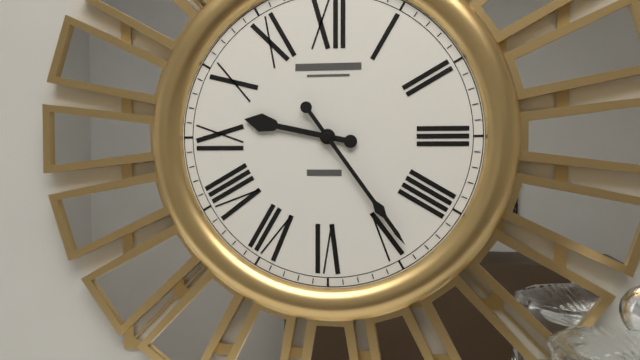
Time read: 9 h 24 min
